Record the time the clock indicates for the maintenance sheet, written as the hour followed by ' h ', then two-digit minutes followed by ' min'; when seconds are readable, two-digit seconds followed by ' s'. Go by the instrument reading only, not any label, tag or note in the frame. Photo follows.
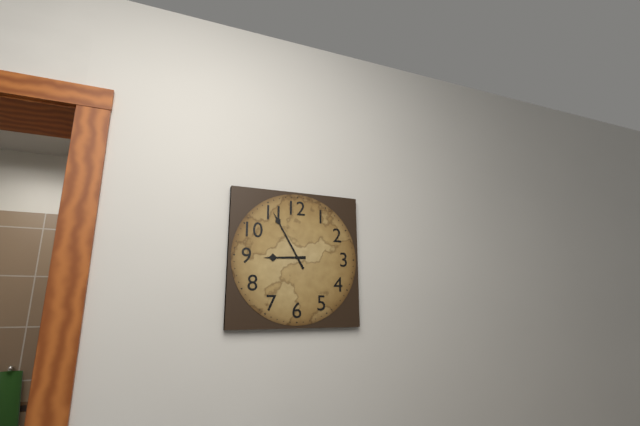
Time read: 8 h 55 min
